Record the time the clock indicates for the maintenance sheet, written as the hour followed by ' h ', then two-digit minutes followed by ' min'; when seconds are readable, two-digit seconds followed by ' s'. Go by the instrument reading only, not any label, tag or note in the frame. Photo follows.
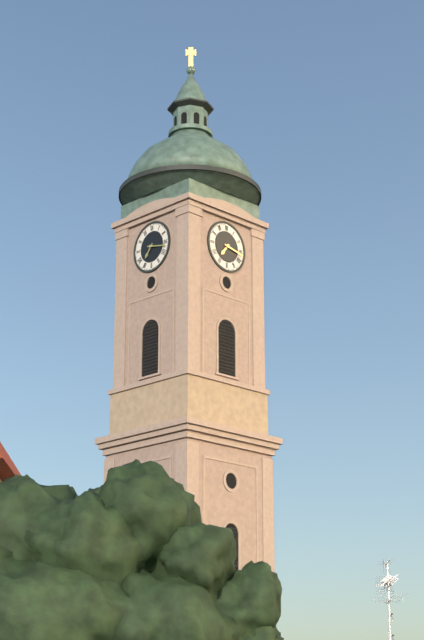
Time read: 7 h 17 min
